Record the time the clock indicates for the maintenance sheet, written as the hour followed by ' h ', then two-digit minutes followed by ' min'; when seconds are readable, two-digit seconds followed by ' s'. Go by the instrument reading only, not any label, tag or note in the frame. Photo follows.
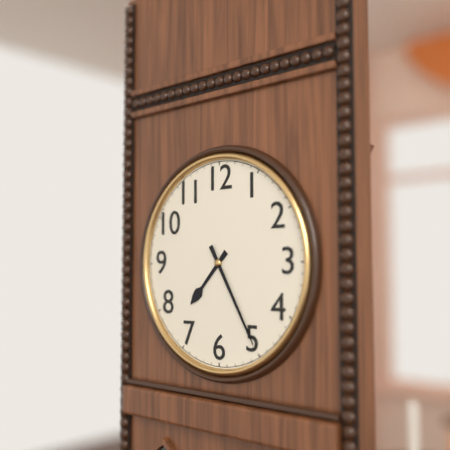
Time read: 7 h 25 min
